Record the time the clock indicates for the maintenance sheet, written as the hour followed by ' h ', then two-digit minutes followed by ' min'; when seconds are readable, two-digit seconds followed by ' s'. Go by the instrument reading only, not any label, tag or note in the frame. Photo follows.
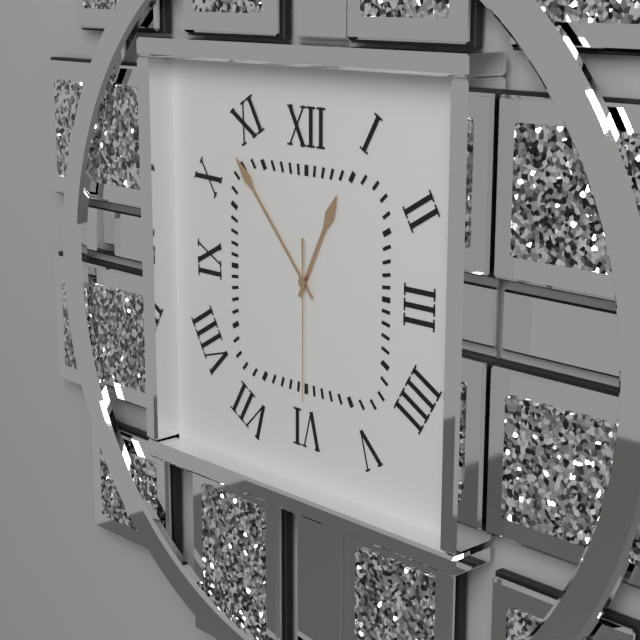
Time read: 12 h 53 min 30 s
